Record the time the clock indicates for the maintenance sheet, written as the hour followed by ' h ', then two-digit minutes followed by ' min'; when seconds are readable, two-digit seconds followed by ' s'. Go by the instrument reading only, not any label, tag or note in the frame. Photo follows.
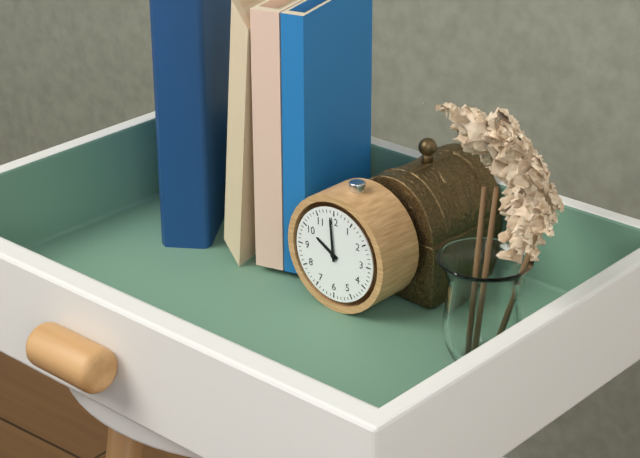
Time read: 9 h 59 min
